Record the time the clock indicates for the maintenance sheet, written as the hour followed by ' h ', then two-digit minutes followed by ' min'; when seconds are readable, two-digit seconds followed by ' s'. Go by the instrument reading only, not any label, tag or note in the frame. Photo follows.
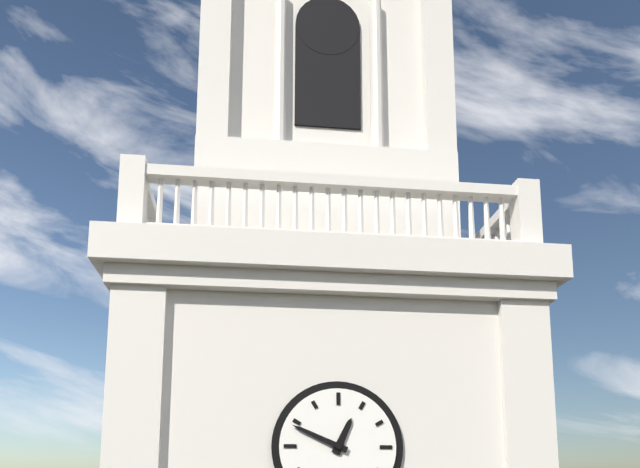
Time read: 12 h 49 min
